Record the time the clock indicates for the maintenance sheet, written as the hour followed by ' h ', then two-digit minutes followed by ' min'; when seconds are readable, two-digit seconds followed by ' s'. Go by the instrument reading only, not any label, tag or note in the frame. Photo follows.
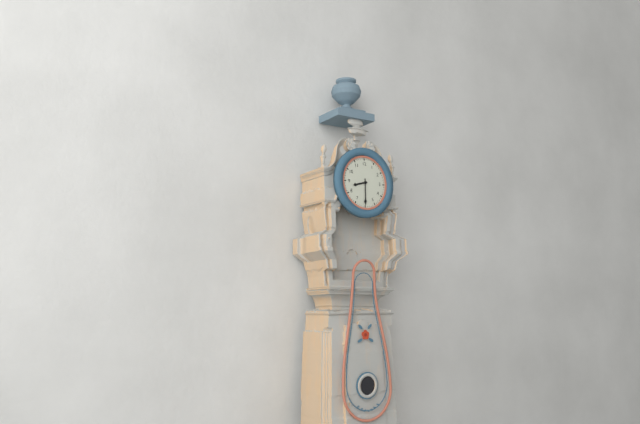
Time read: 8 h 30 min
